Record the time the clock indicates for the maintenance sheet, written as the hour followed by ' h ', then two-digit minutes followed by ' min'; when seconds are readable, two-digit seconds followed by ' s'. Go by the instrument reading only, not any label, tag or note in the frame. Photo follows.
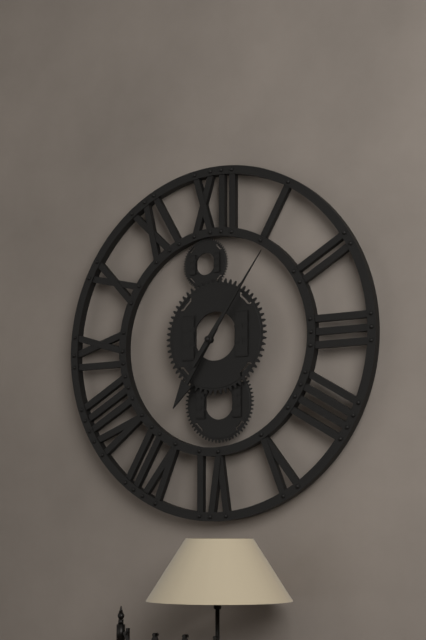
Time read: 7 h 06 min
